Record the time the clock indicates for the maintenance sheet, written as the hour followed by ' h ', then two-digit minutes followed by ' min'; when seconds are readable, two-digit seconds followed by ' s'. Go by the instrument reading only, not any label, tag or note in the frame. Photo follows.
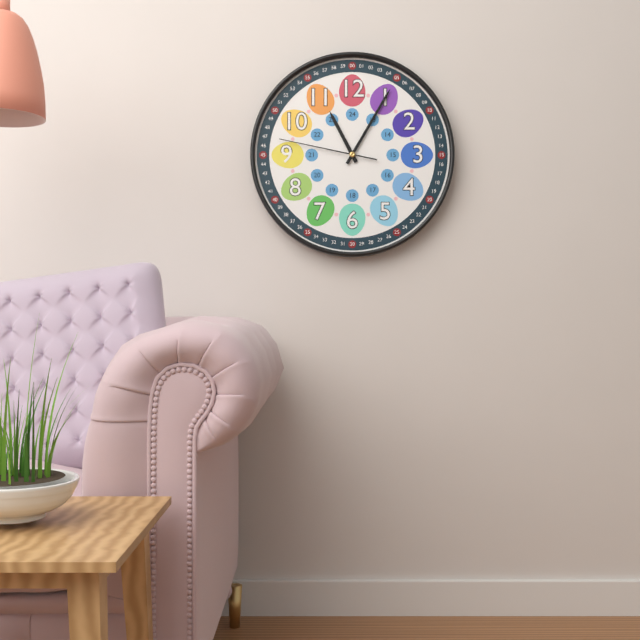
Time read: 11 h 05 min 47 s
